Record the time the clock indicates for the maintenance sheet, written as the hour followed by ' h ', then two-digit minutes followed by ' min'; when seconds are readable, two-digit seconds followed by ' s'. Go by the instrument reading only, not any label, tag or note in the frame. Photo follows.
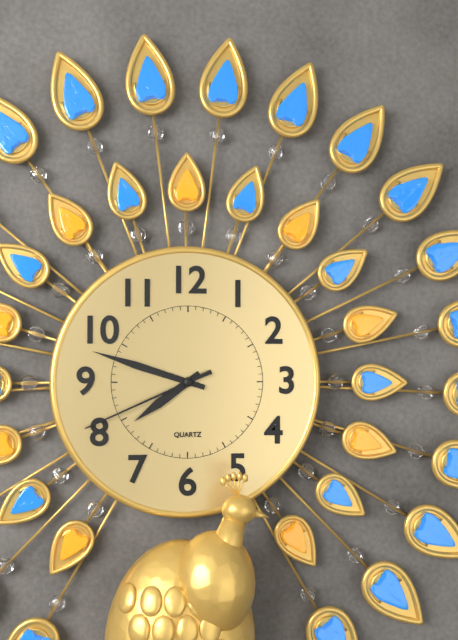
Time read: 7 h 48 min 41 s
